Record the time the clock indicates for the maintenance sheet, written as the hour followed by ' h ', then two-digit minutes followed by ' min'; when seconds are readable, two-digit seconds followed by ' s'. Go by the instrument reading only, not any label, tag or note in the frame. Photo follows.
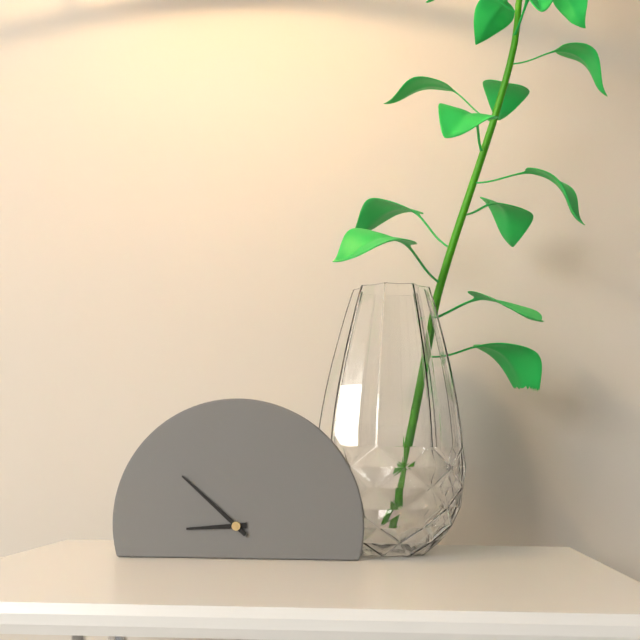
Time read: 8 h 52 min
